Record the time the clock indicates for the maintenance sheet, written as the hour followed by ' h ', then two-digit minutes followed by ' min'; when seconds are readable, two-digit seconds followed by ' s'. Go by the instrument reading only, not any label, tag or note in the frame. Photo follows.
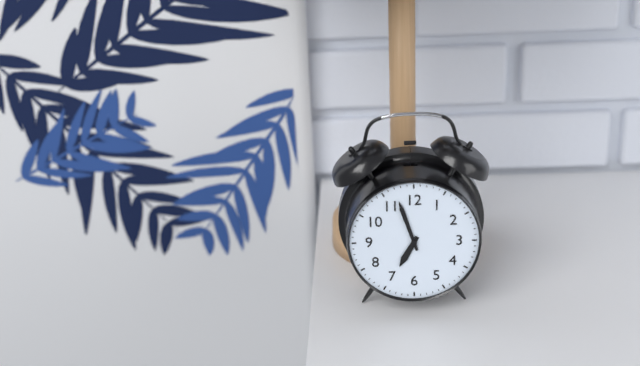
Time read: 6 h 57 min
